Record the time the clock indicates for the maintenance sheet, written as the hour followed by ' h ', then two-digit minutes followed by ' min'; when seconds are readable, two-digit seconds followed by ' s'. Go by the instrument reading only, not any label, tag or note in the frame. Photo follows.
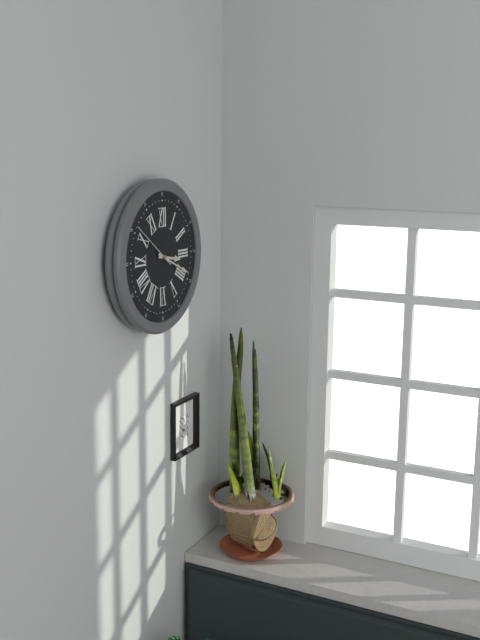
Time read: 3 h 19 min 51 s
